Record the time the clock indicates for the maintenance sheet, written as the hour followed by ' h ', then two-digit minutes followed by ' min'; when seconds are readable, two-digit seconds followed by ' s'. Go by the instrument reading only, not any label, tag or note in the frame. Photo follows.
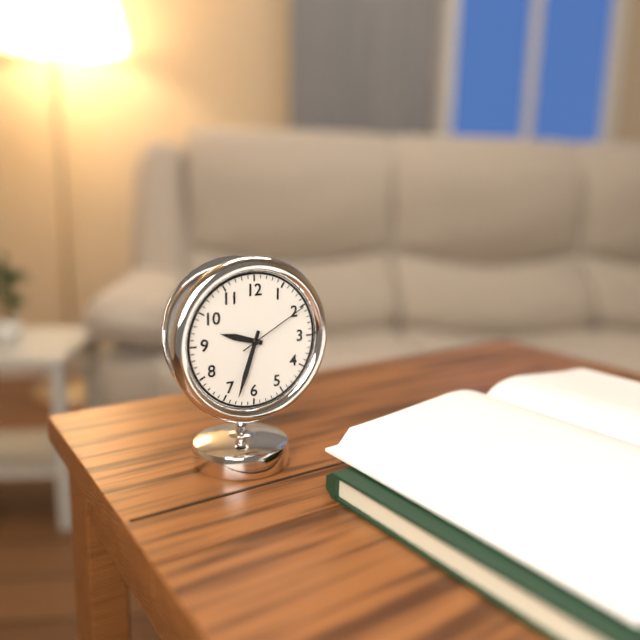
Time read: 9 h 33 min 10 s
